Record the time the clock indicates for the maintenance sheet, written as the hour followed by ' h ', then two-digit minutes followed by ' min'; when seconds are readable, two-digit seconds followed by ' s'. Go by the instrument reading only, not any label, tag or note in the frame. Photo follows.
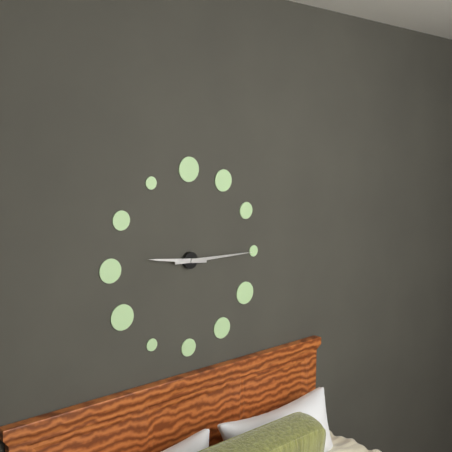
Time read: 9 h 15 min
